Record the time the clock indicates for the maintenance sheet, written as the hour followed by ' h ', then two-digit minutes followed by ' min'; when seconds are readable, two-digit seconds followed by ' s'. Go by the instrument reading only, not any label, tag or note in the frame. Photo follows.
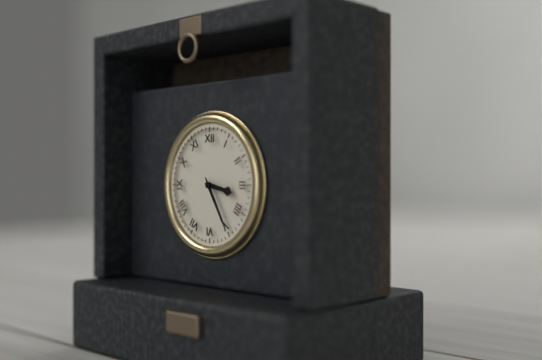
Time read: 3 h 25 min
